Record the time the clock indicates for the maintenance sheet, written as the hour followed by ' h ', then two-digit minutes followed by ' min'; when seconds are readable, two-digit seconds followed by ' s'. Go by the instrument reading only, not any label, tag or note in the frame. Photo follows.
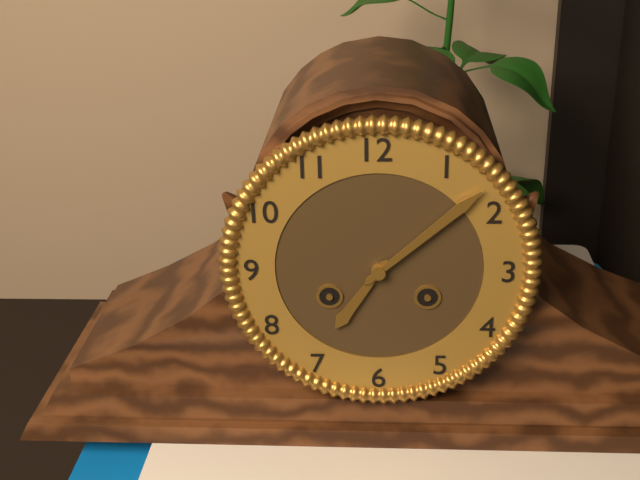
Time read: 7 h 08 min
